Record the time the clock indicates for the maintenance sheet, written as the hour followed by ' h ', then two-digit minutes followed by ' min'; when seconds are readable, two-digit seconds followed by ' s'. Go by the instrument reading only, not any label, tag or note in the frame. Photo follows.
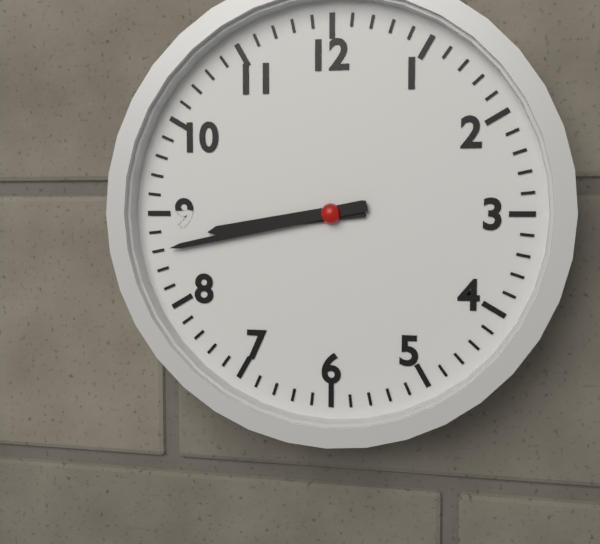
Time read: 8 h 43 min
